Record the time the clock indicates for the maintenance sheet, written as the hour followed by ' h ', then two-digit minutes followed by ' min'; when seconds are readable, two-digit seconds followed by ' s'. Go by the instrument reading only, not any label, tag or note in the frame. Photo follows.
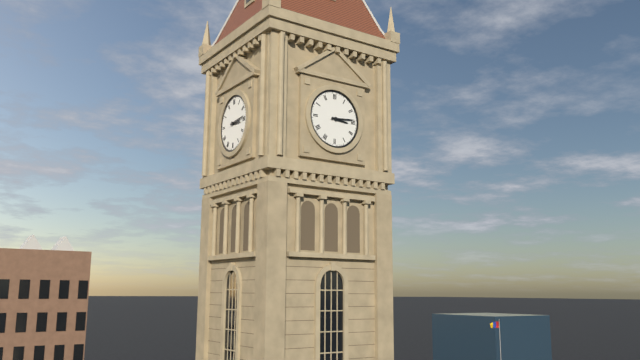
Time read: 3 h 14 min
